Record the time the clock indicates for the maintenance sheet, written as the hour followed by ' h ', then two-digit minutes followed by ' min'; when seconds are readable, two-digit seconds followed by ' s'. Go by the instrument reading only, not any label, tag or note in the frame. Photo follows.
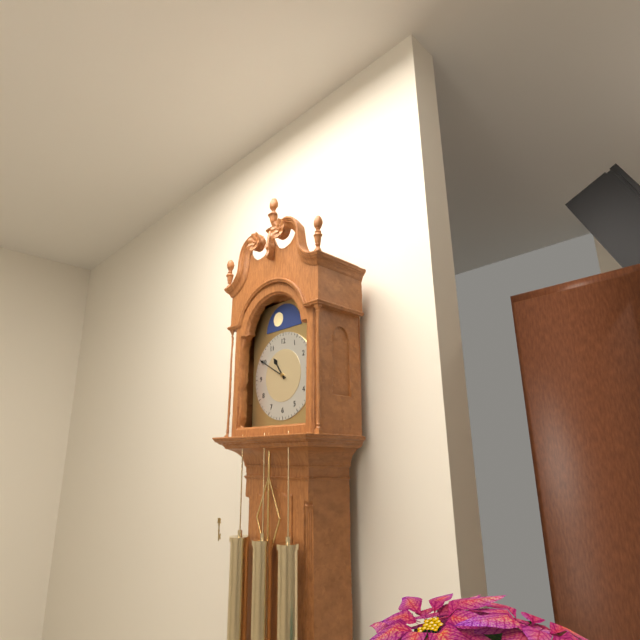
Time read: 10 h 50 min
